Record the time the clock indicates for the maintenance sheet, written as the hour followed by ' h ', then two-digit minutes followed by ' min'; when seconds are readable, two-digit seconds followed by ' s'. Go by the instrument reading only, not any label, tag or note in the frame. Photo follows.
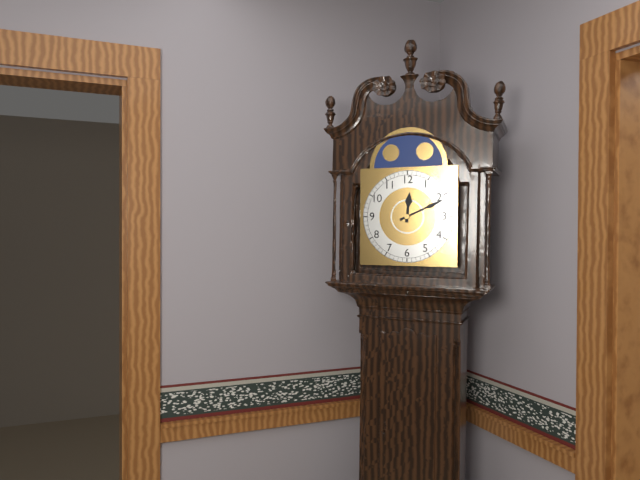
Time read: 12 h 11 min
